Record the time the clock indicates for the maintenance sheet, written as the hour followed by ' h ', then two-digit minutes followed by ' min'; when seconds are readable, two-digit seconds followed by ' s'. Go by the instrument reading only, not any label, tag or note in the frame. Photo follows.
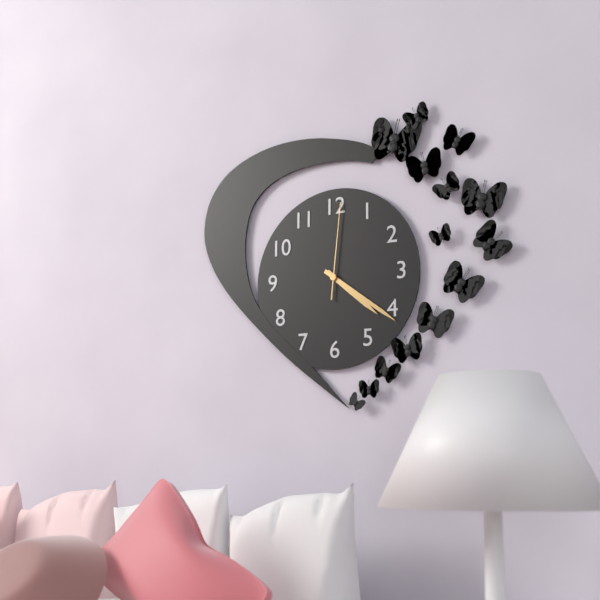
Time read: 4 h 21 min 01 s
